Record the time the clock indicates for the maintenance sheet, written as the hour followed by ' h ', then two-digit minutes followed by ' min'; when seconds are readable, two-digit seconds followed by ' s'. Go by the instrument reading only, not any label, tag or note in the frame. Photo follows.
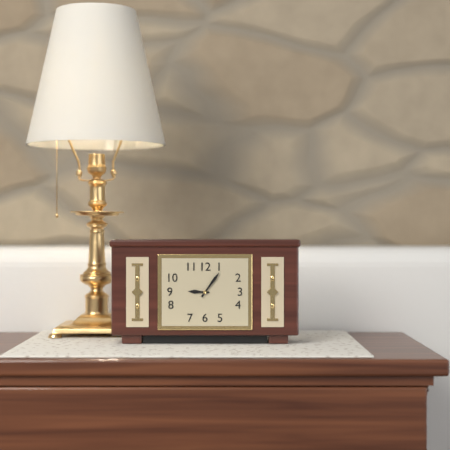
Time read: 9 h 06 min
